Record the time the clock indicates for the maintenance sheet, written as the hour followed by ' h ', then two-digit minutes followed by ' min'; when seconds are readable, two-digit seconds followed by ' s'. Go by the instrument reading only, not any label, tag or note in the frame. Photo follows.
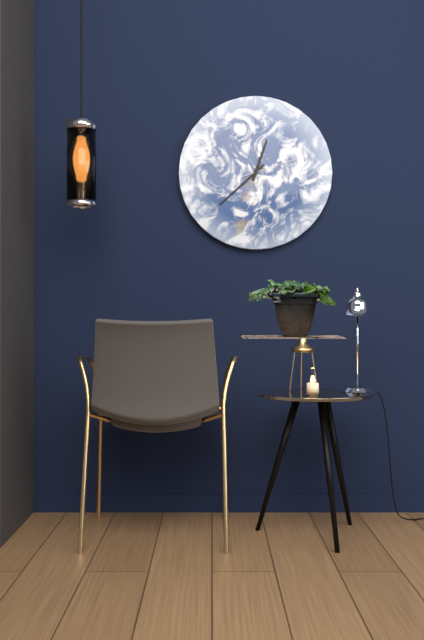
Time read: 12 h 38 min 12 s
